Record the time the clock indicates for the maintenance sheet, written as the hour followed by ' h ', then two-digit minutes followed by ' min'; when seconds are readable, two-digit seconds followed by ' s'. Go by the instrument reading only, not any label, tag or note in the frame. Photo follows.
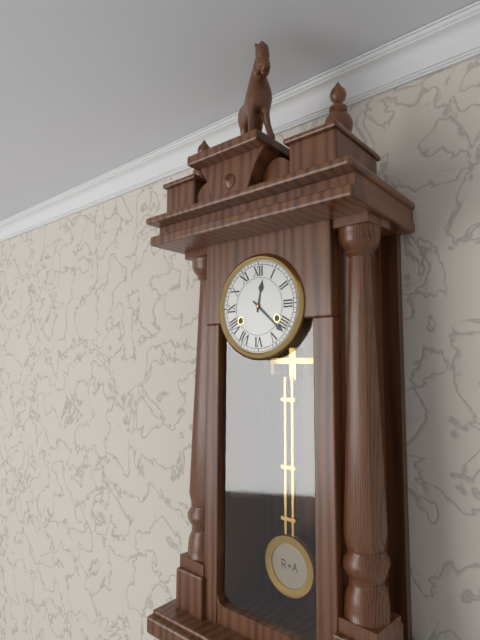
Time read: 12 h 22 min
